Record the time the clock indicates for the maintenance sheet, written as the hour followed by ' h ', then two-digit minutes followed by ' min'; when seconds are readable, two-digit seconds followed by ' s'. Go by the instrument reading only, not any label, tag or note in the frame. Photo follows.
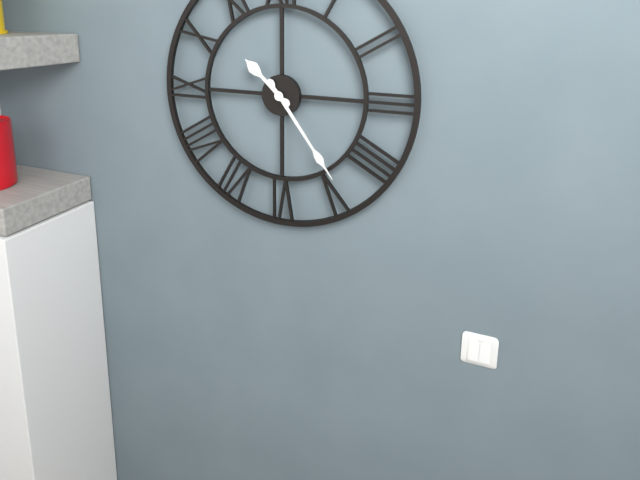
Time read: 10 h 24 min
